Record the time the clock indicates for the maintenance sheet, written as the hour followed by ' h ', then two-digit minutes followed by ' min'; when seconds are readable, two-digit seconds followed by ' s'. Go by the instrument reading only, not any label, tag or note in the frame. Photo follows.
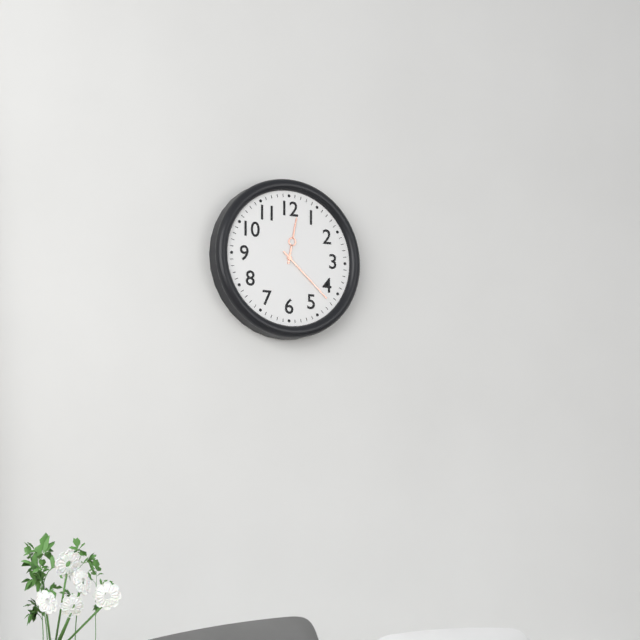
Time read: 12 h 22 min
